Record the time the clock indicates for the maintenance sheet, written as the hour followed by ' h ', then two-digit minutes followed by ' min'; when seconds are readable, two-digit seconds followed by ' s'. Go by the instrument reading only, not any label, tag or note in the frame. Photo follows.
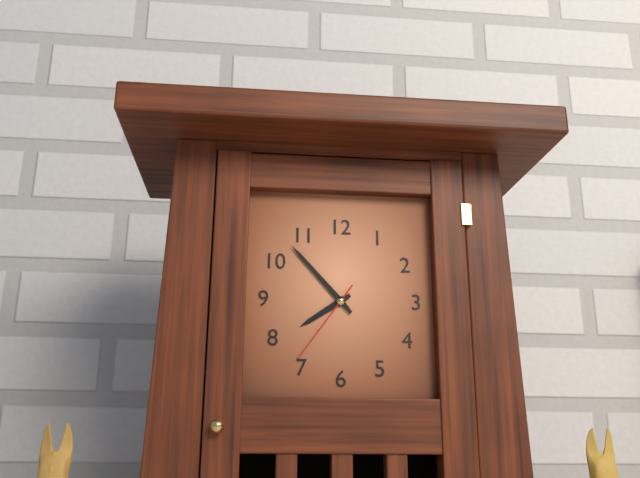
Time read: 7 h 53 min 36 s
